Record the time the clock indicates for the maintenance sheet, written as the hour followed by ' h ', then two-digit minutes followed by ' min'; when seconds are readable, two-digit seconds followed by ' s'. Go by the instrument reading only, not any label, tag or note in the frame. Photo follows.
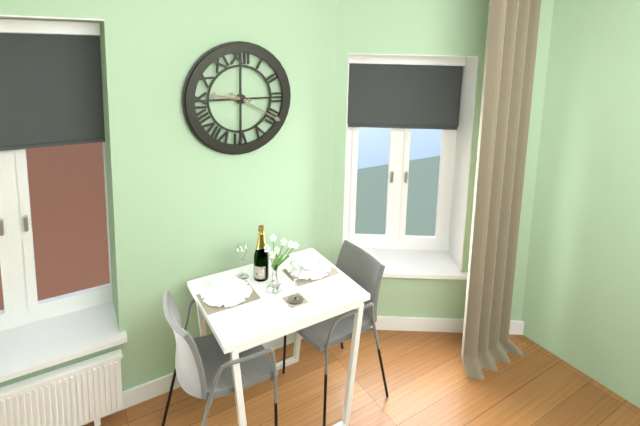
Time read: 9 h 20 min
